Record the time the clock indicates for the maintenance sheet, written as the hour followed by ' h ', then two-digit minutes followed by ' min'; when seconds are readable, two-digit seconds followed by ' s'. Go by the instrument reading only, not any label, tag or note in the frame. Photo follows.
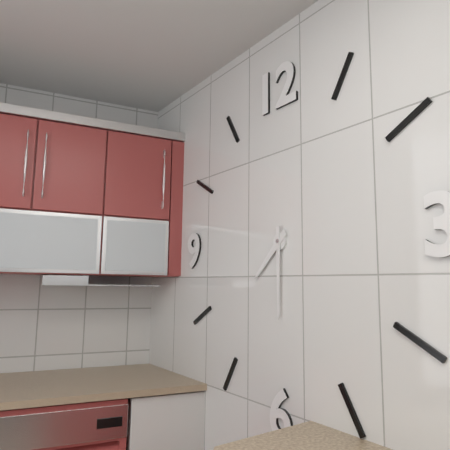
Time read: 7 h 30 min
